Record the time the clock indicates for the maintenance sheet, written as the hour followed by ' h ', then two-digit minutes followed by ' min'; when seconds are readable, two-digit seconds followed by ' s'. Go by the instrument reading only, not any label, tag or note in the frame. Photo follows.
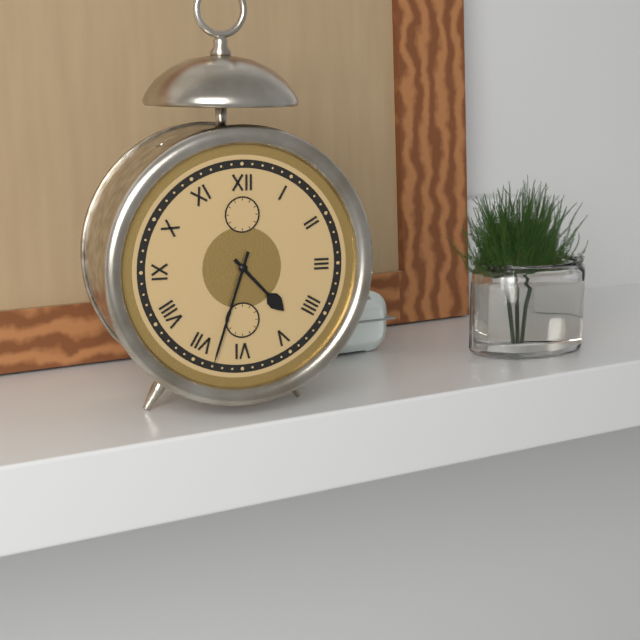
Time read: 4 h 33 min
